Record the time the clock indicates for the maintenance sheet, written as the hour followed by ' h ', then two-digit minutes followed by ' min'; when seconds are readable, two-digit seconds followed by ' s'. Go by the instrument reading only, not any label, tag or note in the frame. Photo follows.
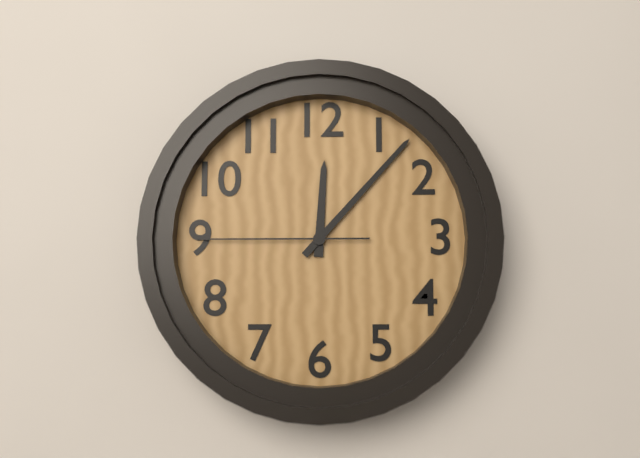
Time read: 12 h 07 min 45 s
